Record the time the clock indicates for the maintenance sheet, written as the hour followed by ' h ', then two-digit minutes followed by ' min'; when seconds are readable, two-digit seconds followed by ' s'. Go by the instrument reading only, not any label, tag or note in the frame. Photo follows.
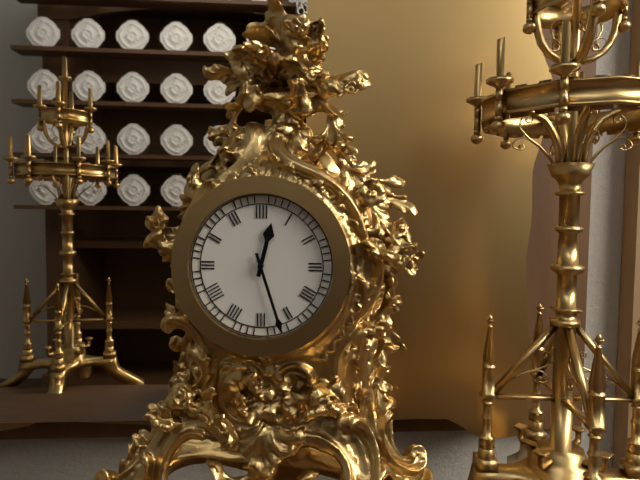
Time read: 12 h 27 min
